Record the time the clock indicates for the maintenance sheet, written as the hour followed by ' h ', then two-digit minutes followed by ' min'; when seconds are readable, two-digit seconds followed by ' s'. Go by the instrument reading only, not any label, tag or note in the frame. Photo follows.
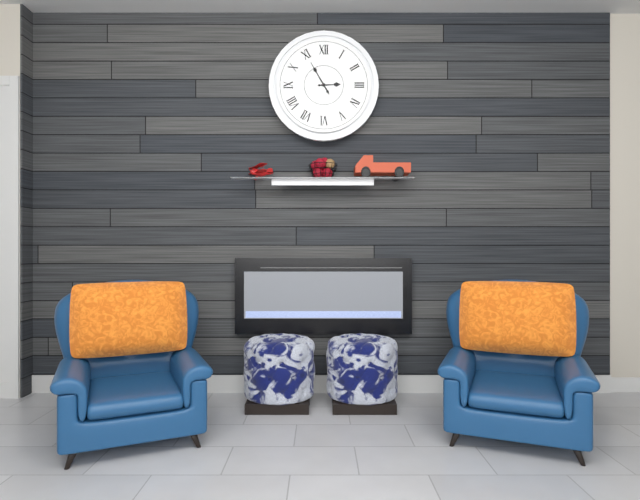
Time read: 2 h 55 min
